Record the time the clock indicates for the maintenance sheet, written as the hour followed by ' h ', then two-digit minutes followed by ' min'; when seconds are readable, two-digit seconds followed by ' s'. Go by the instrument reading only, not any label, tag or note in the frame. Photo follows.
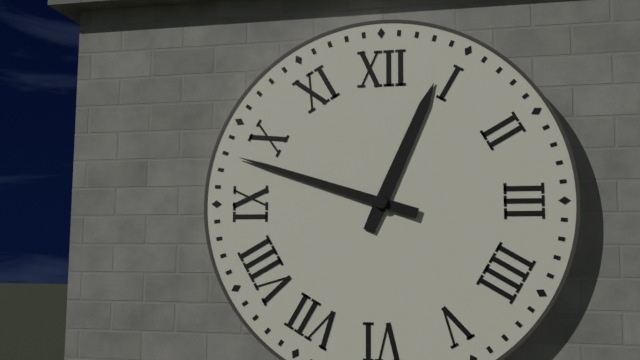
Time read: 12 h 48 min
